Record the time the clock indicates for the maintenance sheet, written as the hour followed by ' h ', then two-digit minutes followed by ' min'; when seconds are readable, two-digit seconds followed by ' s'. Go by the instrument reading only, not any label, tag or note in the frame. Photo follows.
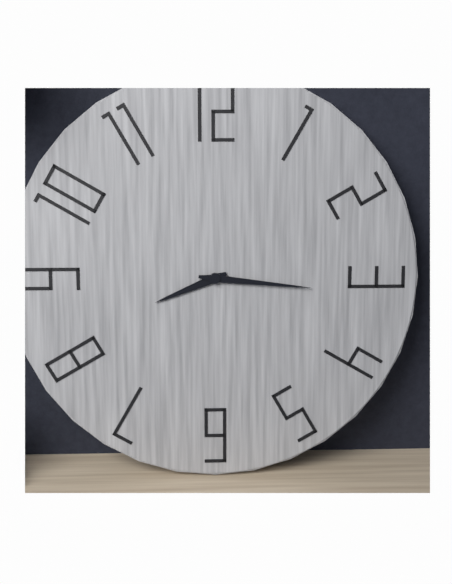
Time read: 8 h 16 min
